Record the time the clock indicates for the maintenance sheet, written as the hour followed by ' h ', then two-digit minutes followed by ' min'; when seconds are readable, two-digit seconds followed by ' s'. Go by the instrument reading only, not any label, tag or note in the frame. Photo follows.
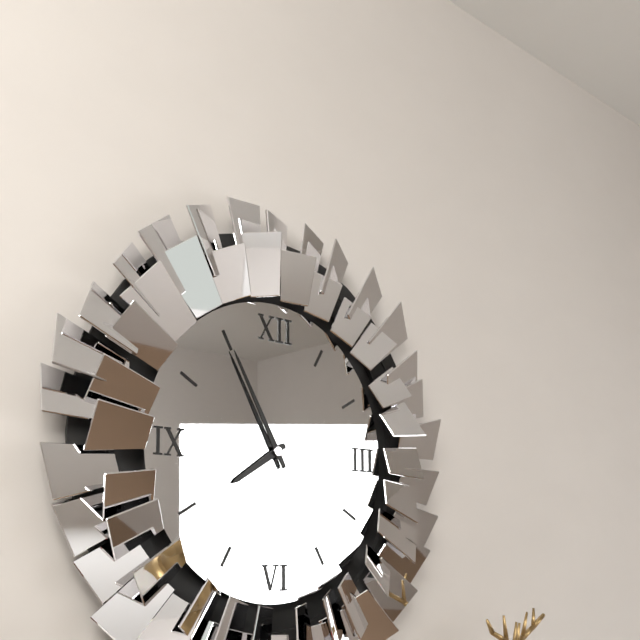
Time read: 7 h 55 min
